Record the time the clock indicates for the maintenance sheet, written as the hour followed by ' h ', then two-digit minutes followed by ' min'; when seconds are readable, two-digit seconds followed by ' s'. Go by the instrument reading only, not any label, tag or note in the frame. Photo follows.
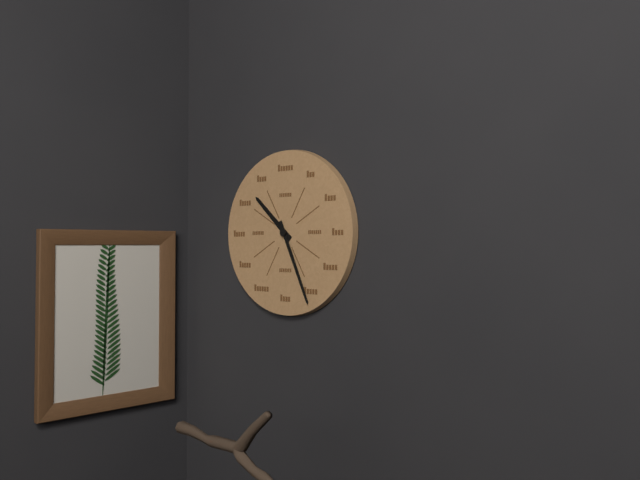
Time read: 10 h 26 min
